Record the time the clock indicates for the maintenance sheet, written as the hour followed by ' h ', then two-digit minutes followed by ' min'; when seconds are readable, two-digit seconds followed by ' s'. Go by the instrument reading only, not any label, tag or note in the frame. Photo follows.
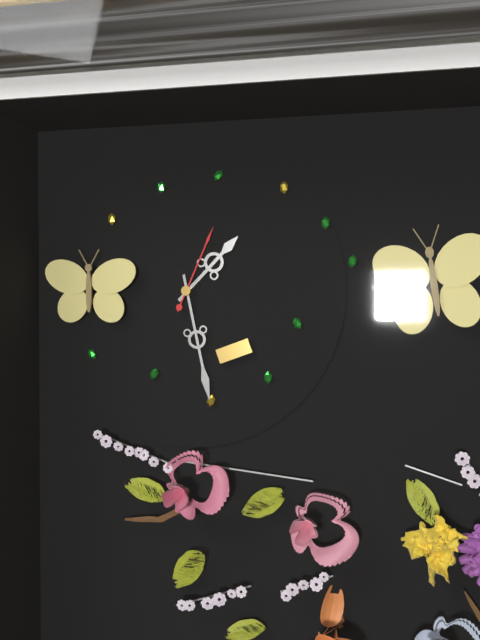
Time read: 1 h 28 min 04 s
